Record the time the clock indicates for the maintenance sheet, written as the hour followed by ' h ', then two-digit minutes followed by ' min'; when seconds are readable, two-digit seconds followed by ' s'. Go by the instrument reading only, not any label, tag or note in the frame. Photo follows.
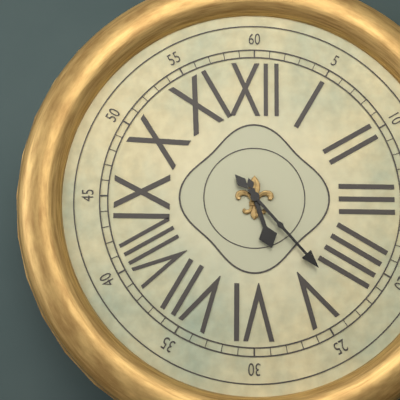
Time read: 5 h 23 min
